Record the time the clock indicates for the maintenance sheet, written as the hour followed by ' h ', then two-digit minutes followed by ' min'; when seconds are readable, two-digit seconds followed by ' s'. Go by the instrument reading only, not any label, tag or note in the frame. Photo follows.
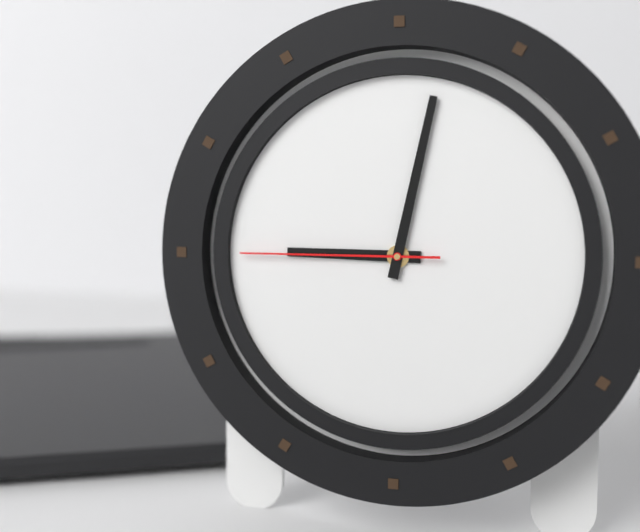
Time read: 9 h 02 min 45 s
